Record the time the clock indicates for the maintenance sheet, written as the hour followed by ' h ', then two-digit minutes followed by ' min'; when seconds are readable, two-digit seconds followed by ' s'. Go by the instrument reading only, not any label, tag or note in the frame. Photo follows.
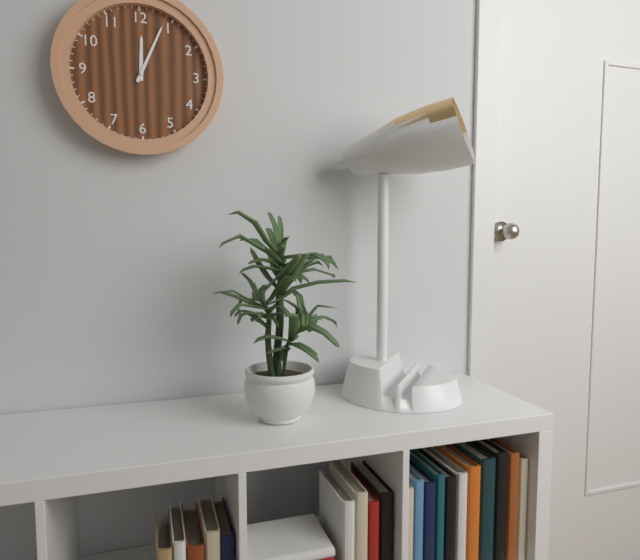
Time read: 12 h 04 min
